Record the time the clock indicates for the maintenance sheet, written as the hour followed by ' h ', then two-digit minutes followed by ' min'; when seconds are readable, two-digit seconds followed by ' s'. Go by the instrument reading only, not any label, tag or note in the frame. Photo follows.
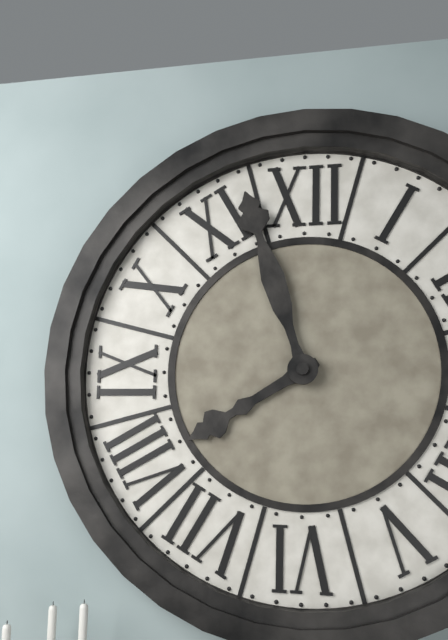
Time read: 7 h 57 min
